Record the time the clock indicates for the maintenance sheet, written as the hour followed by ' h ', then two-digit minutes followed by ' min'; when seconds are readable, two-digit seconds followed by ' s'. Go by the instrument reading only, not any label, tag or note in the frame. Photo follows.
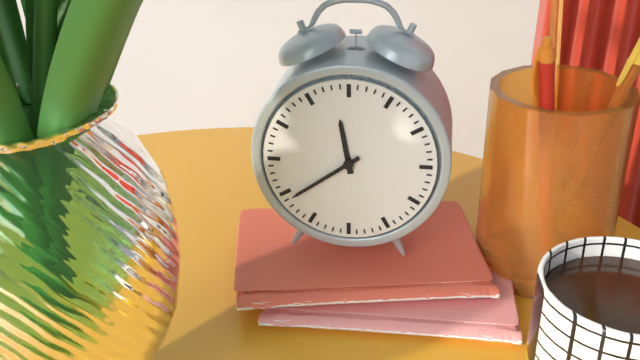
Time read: 11 h 39 min
